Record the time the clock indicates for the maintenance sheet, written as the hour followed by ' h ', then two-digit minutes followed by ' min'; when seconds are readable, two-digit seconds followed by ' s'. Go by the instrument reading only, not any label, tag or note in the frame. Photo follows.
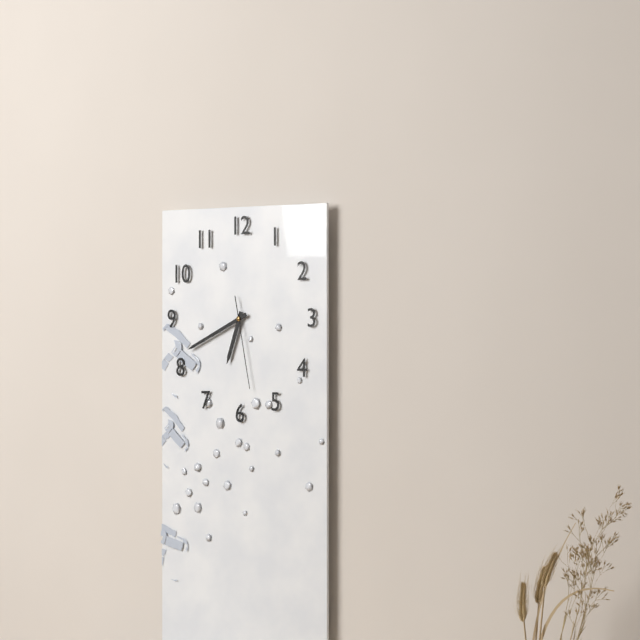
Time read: 6 h 41 min 28 s
